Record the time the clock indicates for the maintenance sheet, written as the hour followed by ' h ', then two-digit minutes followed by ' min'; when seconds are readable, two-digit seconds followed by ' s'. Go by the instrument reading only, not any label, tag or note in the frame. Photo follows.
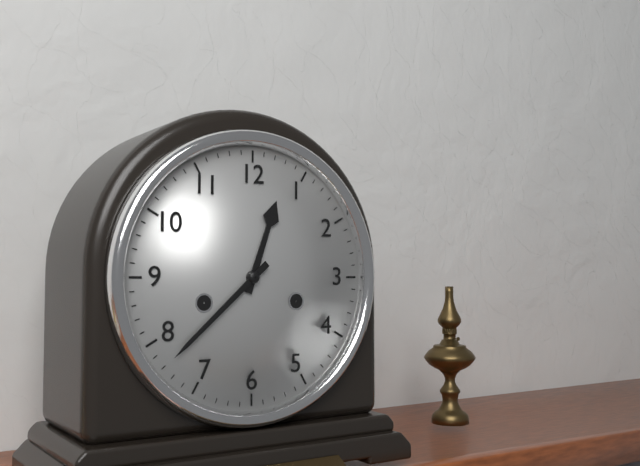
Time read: 12 h 38 min
